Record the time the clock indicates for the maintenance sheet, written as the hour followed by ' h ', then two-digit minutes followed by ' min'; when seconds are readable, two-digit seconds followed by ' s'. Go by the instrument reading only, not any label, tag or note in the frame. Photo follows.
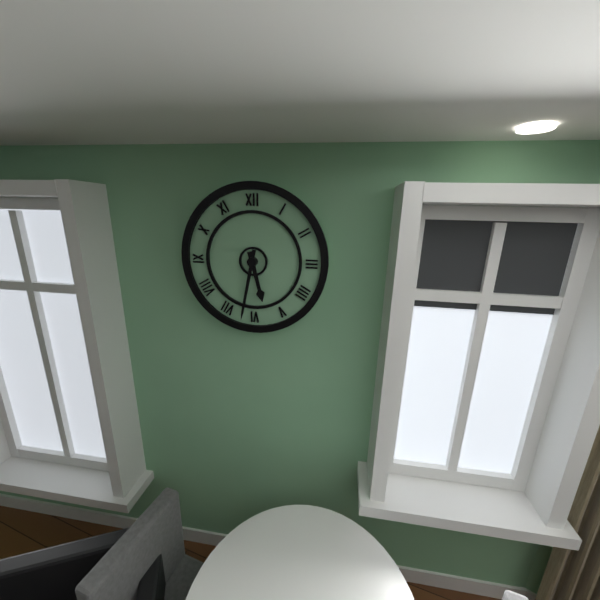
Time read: 5 h 32 min
